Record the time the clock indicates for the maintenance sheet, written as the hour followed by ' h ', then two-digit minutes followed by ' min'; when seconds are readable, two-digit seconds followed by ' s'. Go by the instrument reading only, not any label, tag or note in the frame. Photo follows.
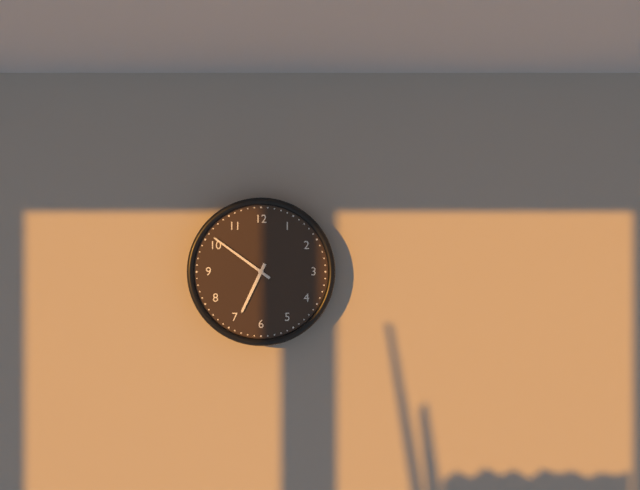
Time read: 6 h 51 min
